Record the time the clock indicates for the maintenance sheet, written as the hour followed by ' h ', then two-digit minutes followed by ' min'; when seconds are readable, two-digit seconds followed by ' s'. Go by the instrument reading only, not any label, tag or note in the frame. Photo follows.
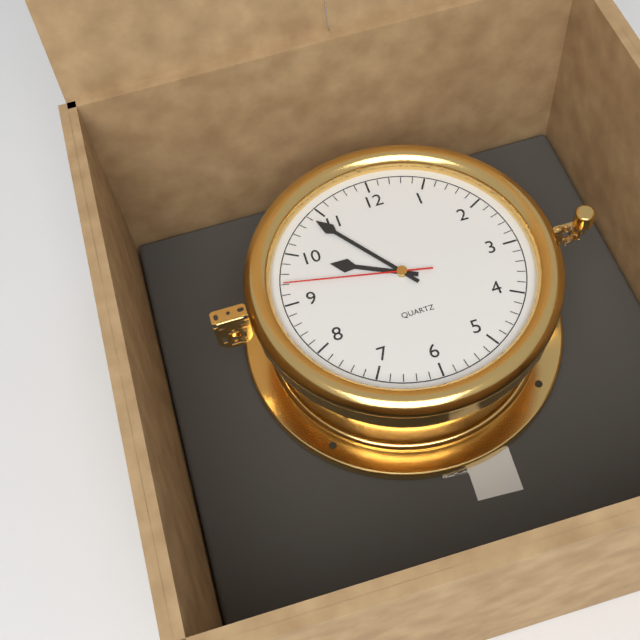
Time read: 9 h 54 min 47 s
